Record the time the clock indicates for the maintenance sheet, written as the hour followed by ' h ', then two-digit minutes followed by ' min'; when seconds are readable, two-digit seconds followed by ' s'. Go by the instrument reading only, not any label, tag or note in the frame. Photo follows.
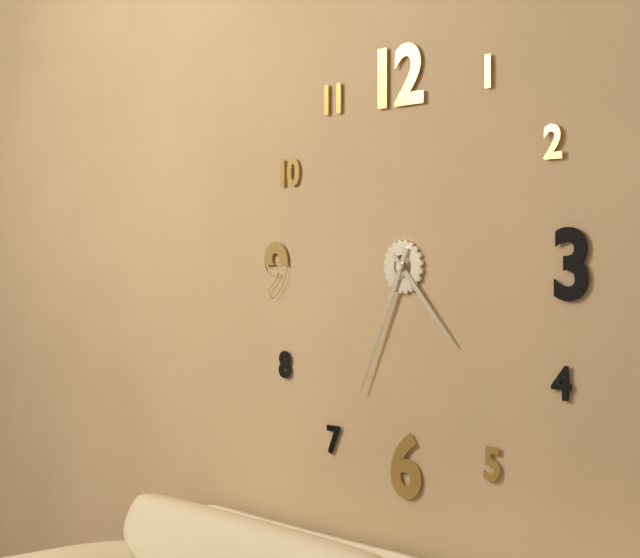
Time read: 4 h 34 min
